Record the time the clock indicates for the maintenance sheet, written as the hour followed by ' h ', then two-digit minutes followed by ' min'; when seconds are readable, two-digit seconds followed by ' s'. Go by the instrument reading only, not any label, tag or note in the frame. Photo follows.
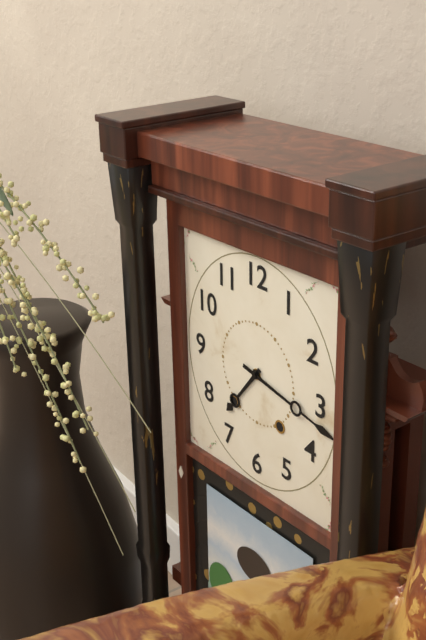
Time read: 7 h 17 min
